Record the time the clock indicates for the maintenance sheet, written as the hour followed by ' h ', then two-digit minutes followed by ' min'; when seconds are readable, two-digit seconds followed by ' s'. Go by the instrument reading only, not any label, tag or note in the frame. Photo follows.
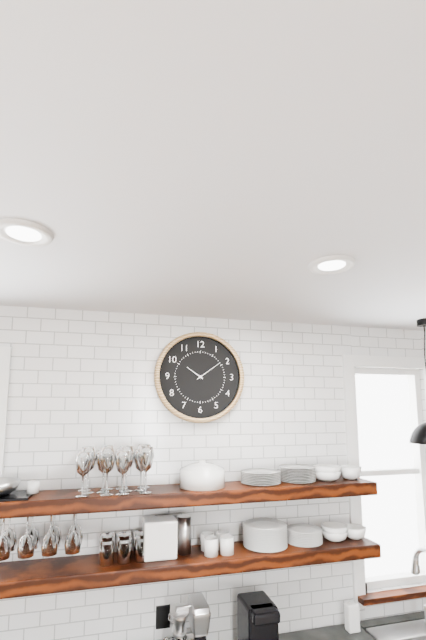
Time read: 10 h 09 min
